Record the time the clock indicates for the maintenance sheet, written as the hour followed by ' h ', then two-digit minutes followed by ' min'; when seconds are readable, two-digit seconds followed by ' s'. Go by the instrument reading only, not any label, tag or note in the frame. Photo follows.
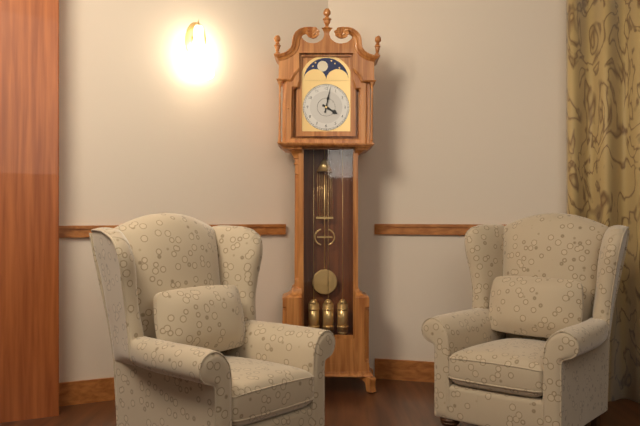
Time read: 4 h 02 min
